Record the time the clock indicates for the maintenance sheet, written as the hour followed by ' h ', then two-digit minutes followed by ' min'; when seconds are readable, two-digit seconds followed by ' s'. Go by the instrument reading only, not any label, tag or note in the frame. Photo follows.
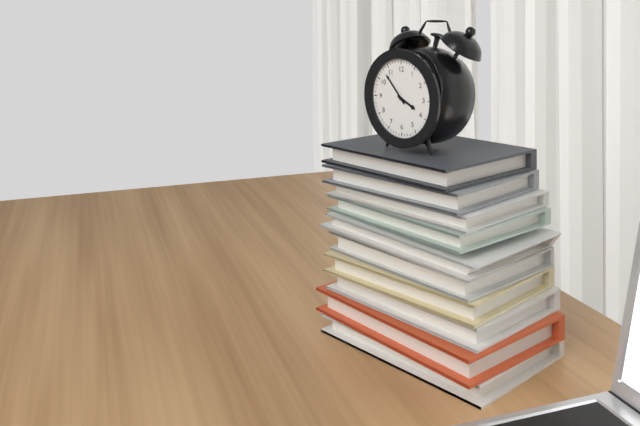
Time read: 3 h 53 min
